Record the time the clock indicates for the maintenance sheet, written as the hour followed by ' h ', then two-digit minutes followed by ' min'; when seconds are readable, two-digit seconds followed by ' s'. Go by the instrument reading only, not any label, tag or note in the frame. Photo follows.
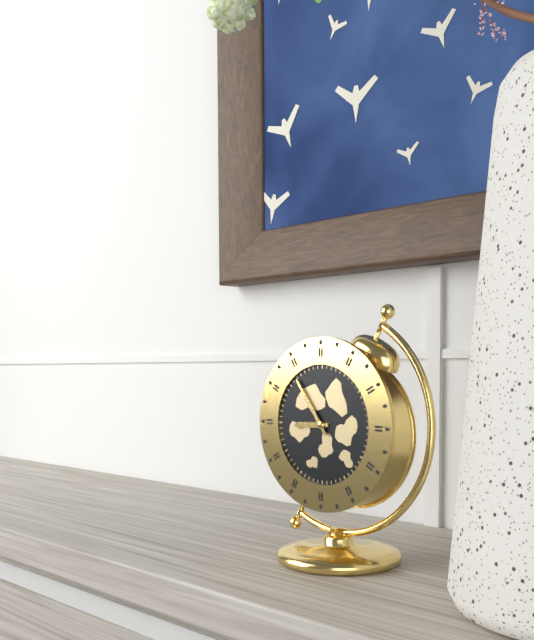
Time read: 8 h 54 min
